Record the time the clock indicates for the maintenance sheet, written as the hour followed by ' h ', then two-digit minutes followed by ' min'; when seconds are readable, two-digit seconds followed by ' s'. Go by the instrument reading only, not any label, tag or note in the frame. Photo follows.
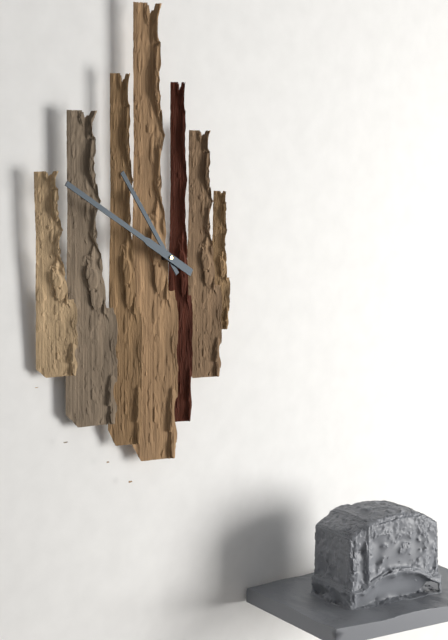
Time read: 10 h 50 min
